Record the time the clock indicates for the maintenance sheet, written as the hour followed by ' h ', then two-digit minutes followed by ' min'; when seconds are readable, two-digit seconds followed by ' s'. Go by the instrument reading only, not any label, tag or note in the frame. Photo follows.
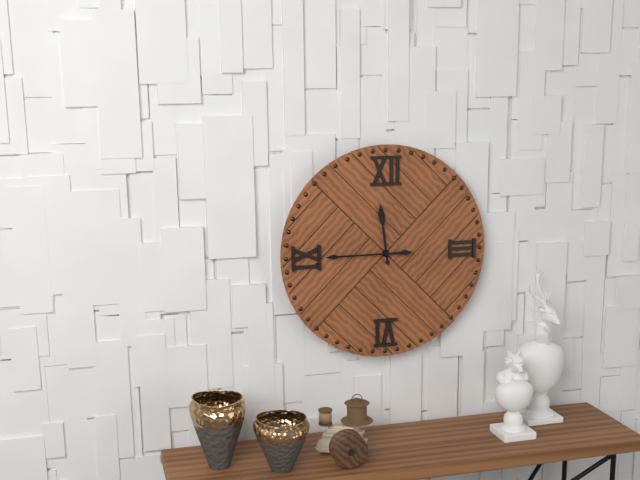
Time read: 11 h 45 min
